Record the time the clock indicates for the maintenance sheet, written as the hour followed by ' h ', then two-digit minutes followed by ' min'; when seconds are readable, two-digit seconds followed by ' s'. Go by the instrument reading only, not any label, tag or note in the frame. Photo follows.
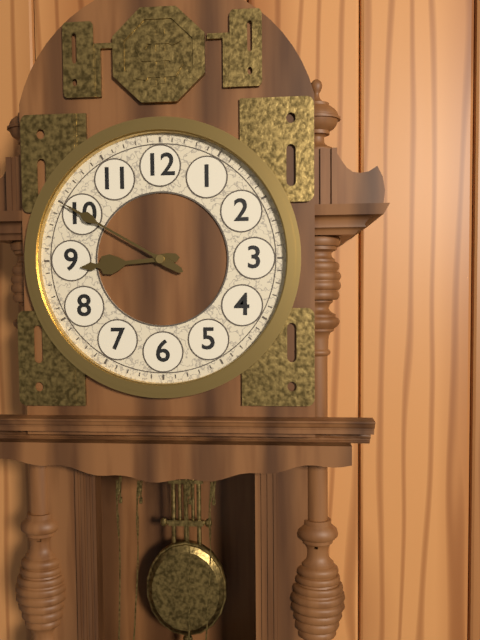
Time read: 8 h 50 min
